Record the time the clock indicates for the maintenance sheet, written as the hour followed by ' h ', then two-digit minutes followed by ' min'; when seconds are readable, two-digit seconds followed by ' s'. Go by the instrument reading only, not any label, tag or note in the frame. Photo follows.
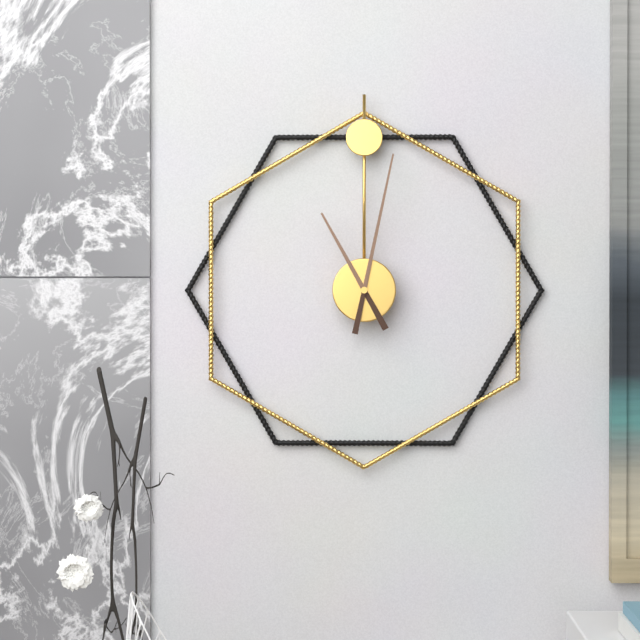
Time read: 11 h 02 min
